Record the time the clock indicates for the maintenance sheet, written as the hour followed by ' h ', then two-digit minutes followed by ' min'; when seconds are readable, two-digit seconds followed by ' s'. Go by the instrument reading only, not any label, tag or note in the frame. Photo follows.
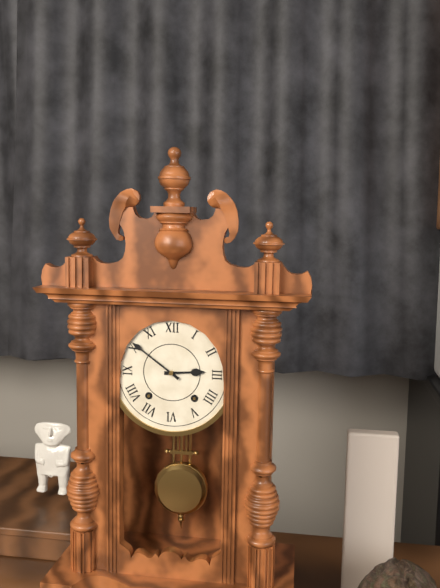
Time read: 2 h 51 min
